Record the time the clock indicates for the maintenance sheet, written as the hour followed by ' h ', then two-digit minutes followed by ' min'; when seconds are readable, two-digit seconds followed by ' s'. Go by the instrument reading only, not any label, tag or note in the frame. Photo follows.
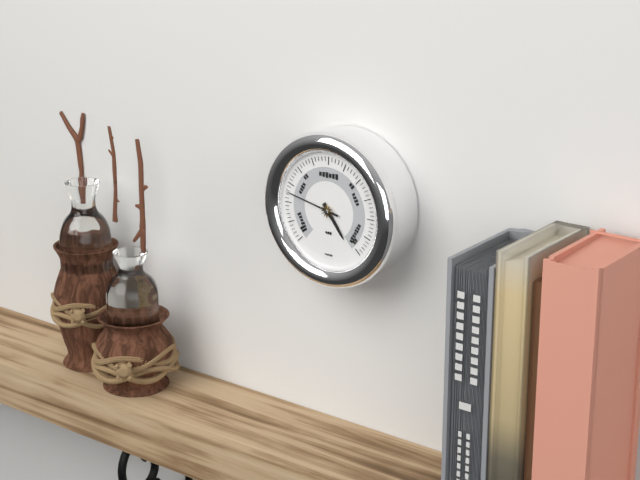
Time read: 4 h 47 min
